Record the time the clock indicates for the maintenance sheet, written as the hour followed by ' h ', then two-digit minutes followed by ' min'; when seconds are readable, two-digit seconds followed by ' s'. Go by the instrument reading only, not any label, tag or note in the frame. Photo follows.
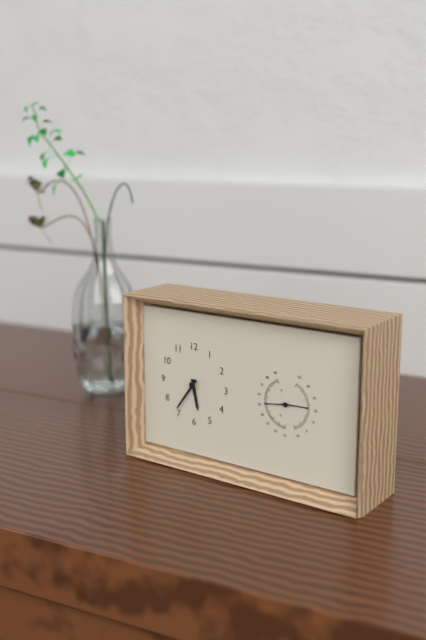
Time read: 5 h 36 min
